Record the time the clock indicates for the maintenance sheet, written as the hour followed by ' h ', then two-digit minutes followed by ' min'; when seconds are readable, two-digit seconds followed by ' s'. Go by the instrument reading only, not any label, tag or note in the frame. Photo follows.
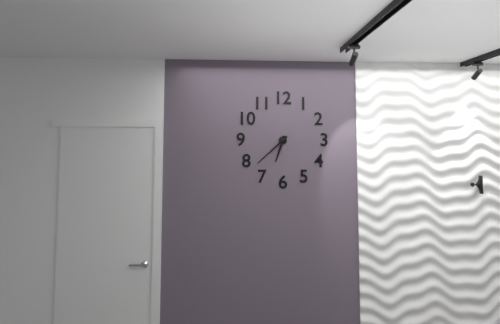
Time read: 6 h 38 min
